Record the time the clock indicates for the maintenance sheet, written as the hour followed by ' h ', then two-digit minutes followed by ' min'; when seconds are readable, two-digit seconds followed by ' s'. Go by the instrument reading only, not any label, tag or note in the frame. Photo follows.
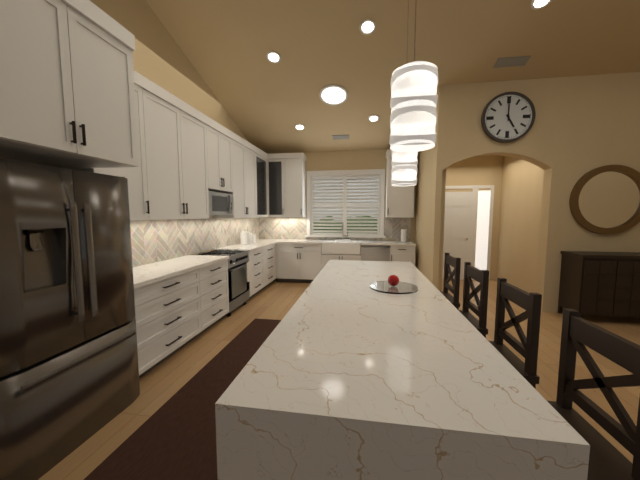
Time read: 5 h 00 min
